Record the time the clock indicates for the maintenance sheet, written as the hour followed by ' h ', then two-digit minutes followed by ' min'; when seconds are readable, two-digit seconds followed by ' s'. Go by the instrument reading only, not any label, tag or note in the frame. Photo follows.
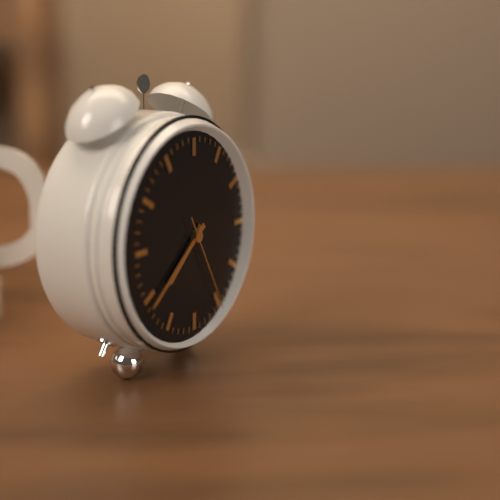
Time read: 7 h 39 min 25 s
